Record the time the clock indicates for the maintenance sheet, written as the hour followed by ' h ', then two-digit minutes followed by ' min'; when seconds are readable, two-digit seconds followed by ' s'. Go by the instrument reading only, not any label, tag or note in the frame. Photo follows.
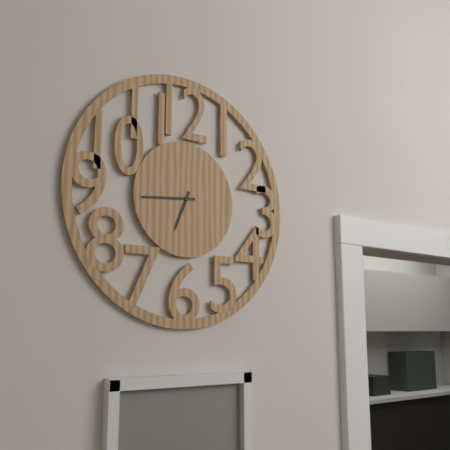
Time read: 6 h 44 min
